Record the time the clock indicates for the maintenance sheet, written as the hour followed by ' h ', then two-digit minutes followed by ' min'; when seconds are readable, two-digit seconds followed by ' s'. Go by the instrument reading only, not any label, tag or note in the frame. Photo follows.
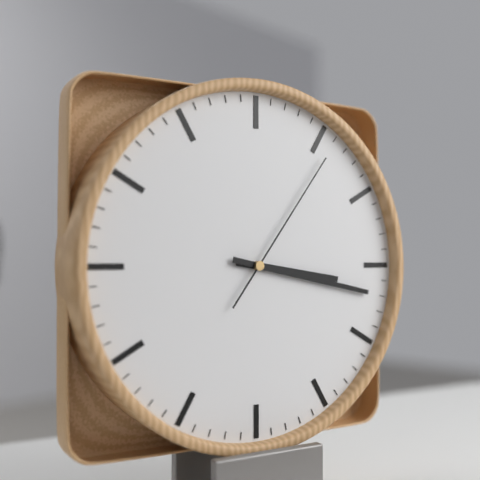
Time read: 3 h 17 min 06 s
